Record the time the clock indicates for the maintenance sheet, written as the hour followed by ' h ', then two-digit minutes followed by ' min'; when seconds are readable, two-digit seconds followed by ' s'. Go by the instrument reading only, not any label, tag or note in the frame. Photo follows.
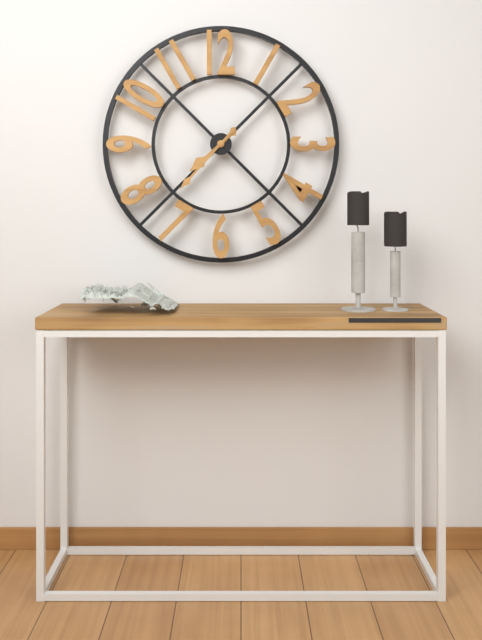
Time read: 7 h 37 min
